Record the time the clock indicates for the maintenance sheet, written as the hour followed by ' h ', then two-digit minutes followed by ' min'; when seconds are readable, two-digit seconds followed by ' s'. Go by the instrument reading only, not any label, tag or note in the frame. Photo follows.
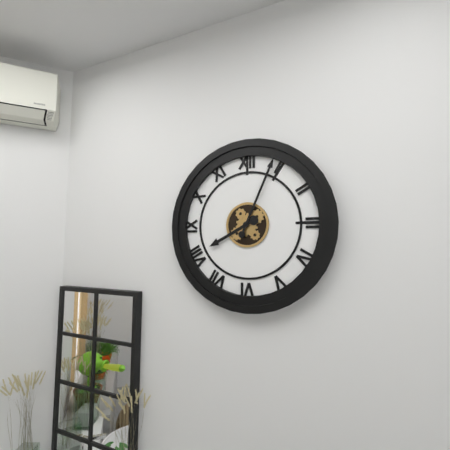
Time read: 8 h 04 min
